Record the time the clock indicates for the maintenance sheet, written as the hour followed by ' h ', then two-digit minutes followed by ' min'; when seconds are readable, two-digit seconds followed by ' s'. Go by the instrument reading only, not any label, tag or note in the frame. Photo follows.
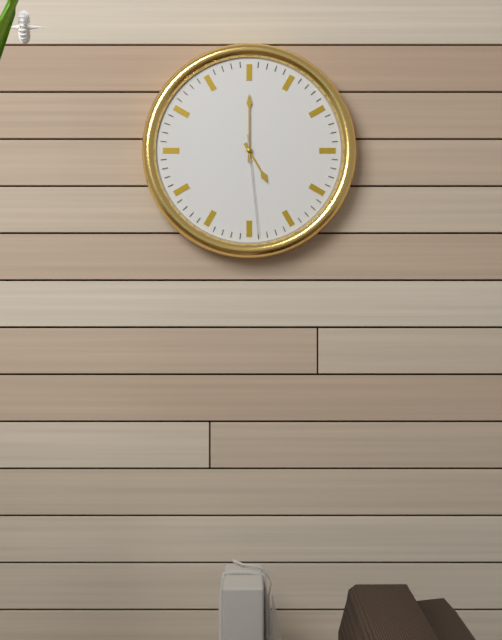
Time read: 5 h 00 min 29 s
